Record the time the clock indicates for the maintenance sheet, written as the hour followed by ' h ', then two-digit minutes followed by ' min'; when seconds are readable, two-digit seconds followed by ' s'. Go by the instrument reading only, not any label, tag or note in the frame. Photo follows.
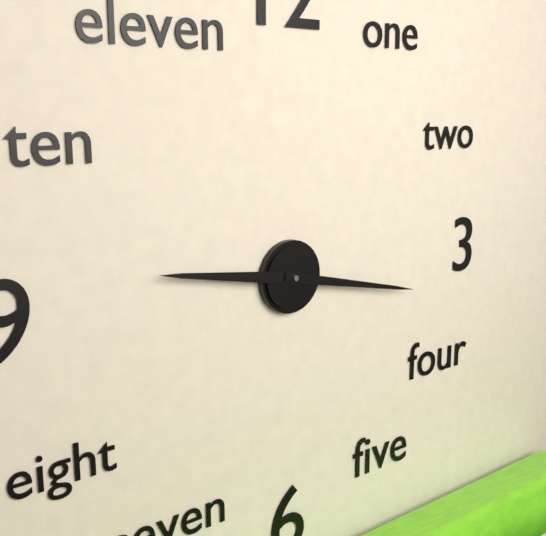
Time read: 9 h 17 min
